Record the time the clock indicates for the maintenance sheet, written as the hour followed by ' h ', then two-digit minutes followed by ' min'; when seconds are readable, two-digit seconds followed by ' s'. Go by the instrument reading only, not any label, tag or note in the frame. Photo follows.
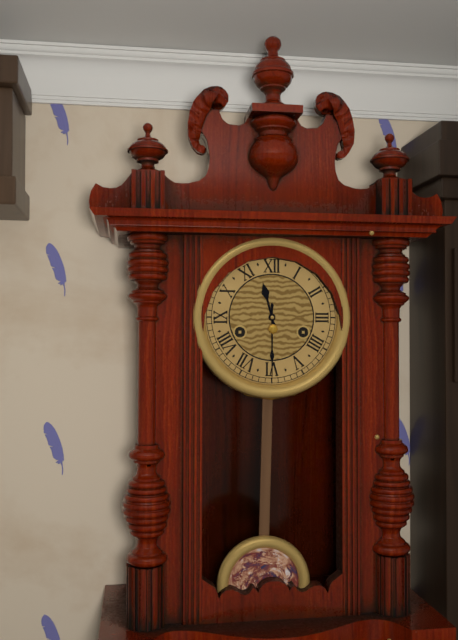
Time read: 11 h 30 min
